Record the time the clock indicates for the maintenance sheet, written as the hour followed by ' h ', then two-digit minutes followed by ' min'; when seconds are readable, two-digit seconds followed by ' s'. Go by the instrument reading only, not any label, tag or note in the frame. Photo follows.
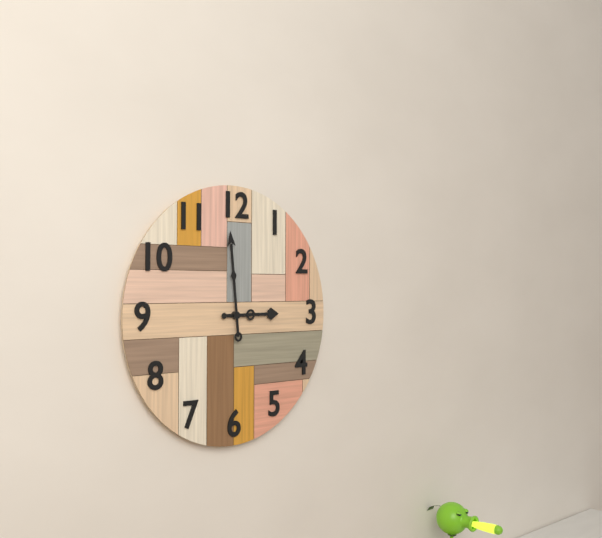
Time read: 2 h 59 min
